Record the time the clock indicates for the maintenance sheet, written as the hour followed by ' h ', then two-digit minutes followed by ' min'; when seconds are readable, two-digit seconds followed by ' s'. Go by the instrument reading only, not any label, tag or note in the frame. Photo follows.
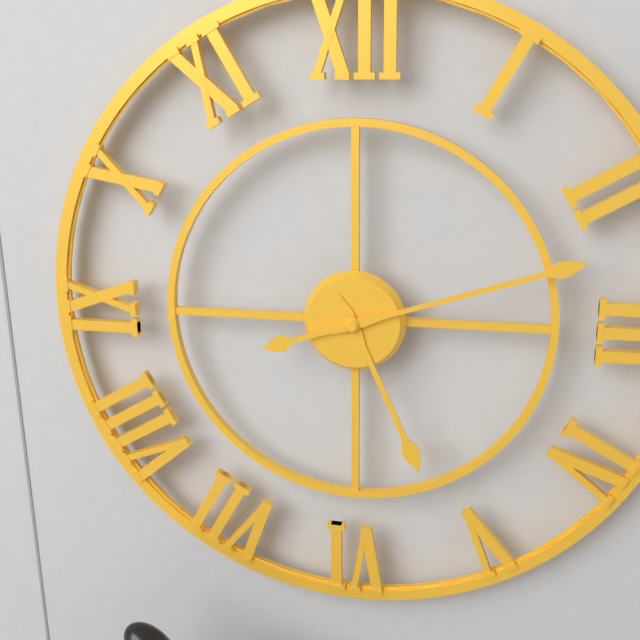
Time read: 5 h 12 min
